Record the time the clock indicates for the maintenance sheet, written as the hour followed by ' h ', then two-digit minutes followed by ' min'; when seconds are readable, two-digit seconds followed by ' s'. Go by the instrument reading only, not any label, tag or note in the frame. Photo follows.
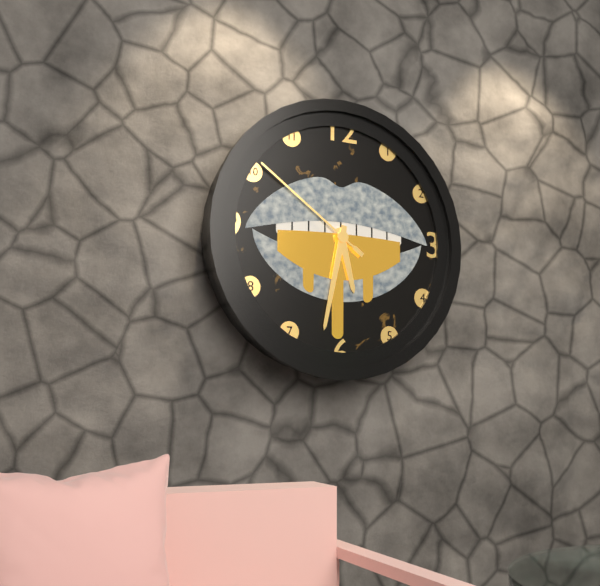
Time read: 5 h 32 min 51 s
